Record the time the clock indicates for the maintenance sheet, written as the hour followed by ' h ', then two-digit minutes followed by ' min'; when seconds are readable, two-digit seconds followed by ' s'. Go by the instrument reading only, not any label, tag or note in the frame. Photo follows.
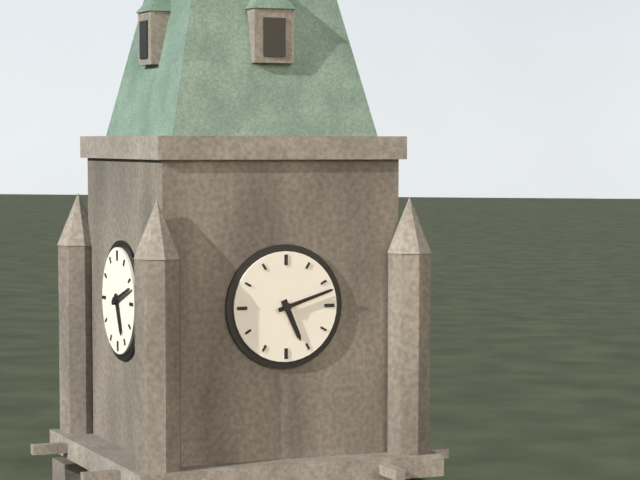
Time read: 5 h 12 min
